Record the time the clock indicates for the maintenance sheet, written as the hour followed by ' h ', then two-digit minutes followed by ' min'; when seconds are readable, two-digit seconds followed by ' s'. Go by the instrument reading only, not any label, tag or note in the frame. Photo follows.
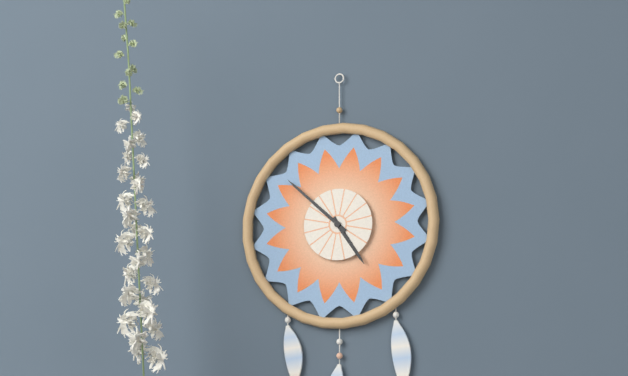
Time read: 4 h 52 min
